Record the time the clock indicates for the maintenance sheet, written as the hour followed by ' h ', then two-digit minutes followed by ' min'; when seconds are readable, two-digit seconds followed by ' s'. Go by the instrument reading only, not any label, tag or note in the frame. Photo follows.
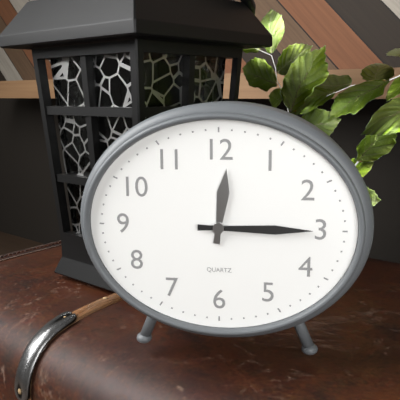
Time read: 12 h 15 min
